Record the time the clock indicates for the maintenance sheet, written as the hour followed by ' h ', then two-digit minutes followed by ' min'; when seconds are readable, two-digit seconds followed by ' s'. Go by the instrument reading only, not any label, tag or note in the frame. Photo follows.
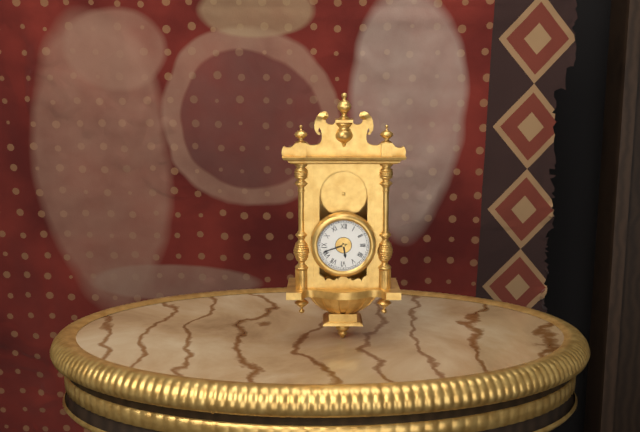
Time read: 5 h 42 min
